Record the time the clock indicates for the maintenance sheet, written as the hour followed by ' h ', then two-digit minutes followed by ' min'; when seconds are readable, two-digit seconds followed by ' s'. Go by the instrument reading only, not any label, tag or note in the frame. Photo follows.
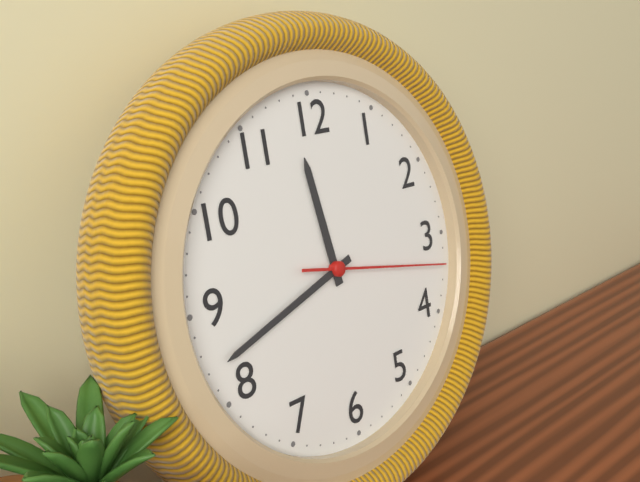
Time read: 11 h 42 min 17 s
